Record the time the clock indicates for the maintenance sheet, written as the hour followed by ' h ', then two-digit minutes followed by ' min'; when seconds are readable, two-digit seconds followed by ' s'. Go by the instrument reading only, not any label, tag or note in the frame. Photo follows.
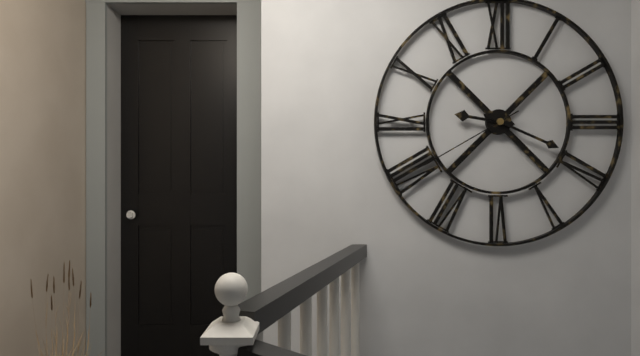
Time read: 9 h 19 min 40 s
